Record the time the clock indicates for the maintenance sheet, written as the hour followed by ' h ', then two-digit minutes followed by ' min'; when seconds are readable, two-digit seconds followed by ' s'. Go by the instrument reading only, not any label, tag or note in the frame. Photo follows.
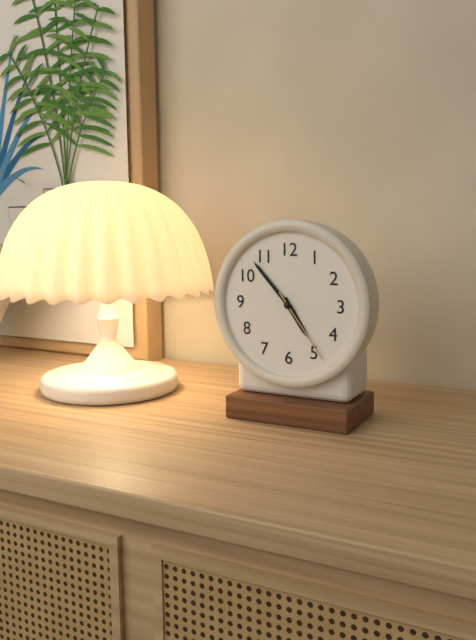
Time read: 4 h 53 min 24 s
